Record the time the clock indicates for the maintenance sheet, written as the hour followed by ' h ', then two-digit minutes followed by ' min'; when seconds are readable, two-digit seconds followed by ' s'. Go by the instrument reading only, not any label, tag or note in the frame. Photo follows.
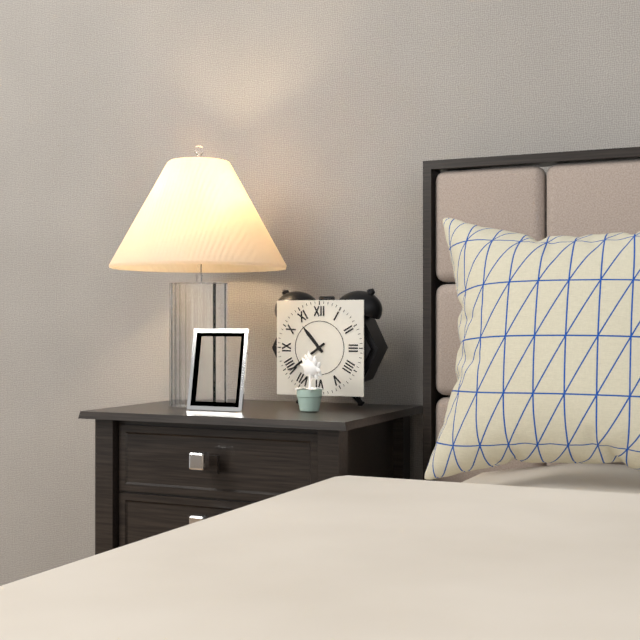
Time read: 10 h 39 min
